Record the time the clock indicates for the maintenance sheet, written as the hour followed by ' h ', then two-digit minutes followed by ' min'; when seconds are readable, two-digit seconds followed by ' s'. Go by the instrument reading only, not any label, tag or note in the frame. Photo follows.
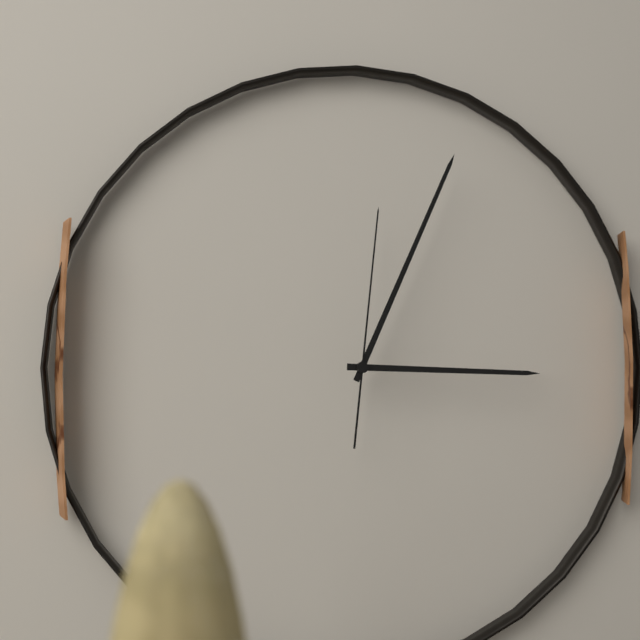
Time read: 3 h 04 min 01 s
